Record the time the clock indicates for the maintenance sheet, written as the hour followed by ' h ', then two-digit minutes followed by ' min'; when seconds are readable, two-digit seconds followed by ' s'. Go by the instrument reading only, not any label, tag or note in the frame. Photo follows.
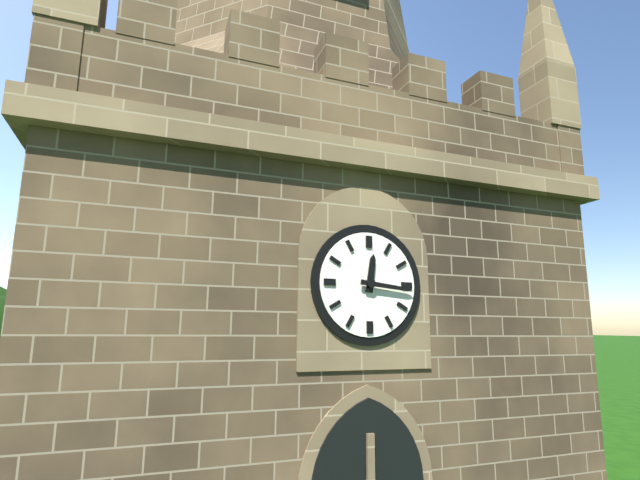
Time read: 12 h 16 min
